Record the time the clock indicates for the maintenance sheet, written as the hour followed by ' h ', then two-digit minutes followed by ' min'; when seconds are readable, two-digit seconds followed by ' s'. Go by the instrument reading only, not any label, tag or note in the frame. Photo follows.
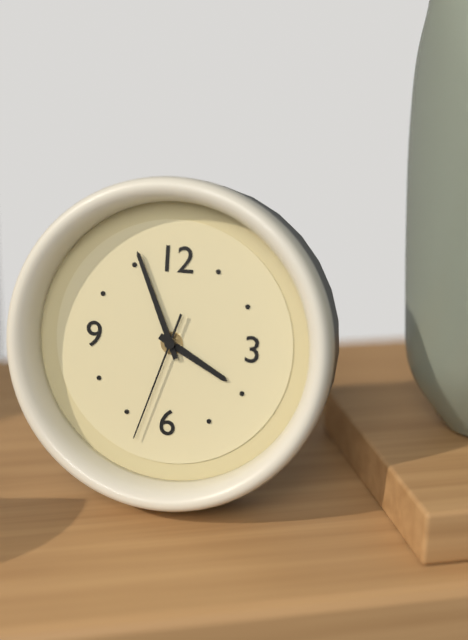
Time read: 3 h 56 min 33 s
